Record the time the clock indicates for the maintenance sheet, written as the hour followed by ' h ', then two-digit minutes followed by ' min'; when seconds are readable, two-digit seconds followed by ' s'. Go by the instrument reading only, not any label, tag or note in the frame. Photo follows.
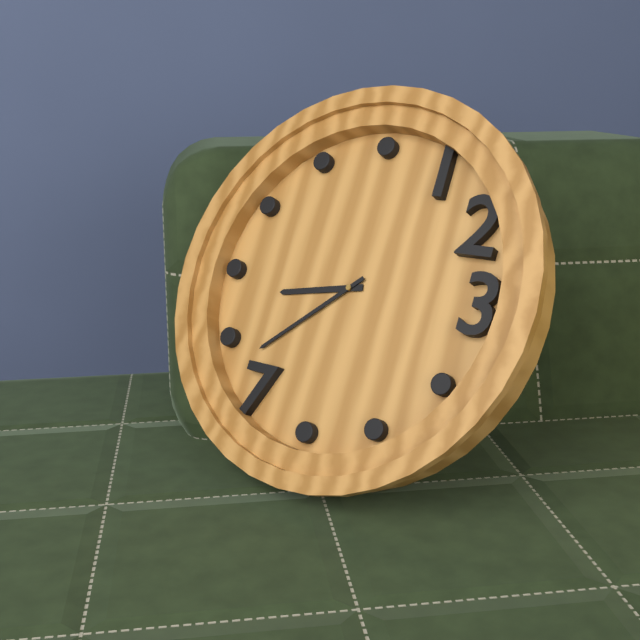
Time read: 8 h 38 min
